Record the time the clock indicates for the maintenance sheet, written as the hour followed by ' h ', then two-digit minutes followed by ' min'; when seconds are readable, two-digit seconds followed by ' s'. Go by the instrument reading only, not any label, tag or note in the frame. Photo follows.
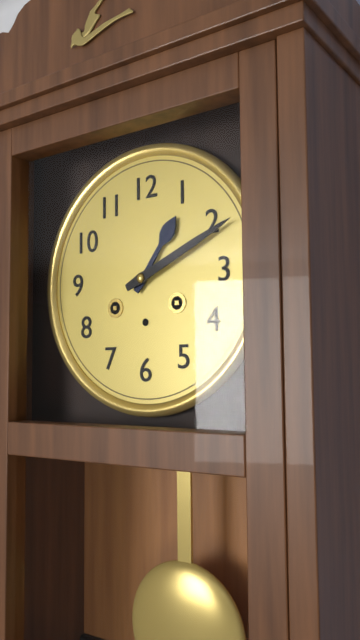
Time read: 1 h 11 min
